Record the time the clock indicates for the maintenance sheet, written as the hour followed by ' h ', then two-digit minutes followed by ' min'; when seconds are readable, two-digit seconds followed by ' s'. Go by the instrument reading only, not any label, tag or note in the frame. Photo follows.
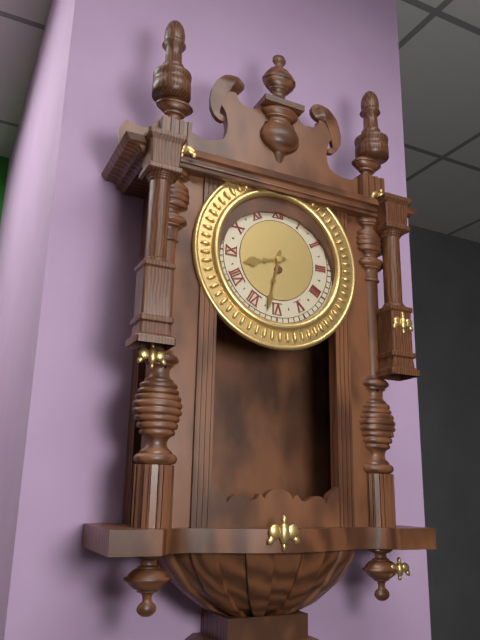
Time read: 8 h 32 min
